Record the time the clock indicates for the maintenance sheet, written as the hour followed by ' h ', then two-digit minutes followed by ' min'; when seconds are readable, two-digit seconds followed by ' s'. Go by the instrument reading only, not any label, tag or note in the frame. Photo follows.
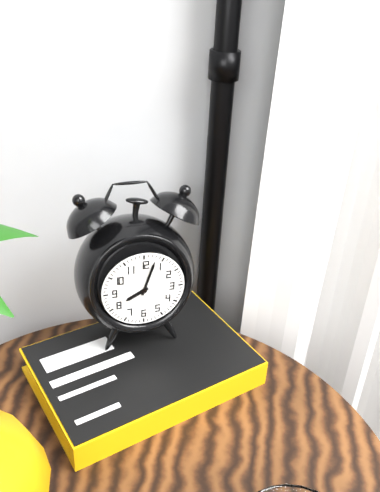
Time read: 8 h 03 min
